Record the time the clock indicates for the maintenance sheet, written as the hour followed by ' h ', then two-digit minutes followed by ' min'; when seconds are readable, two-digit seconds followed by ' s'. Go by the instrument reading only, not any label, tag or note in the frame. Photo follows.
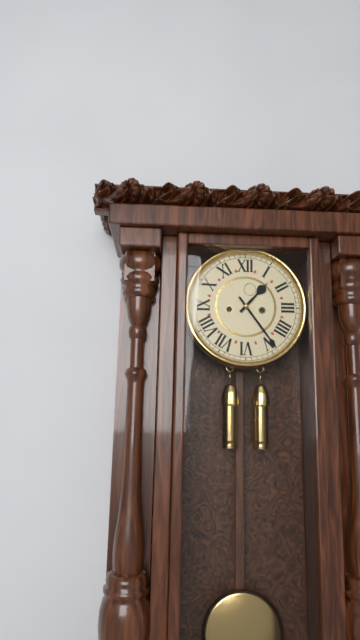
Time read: 1 h 24 min
